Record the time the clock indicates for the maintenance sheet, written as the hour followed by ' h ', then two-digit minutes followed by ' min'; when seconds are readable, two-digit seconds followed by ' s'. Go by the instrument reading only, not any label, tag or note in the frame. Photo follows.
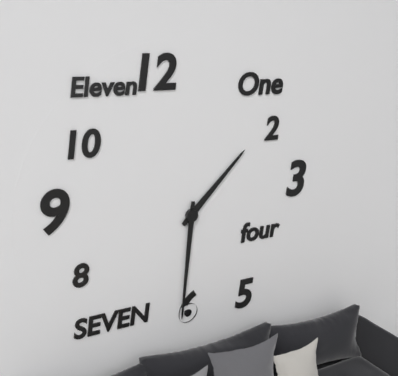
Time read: 1 h 31 min
